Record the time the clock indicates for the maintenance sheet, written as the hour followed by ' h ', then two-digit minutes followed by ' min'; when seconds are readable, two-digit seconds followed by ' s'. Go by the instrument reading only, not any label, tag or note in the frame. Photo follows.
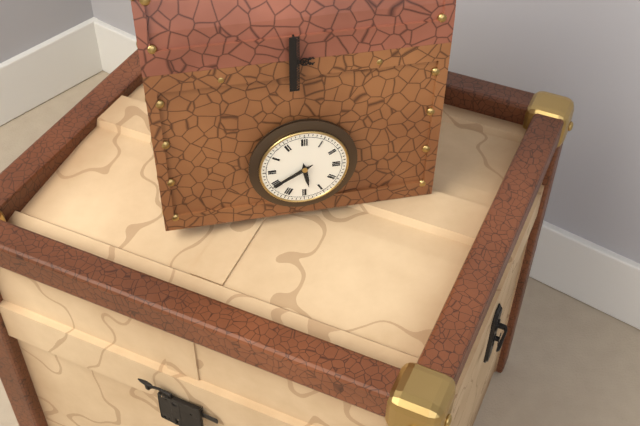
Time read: 5 h 40 min
